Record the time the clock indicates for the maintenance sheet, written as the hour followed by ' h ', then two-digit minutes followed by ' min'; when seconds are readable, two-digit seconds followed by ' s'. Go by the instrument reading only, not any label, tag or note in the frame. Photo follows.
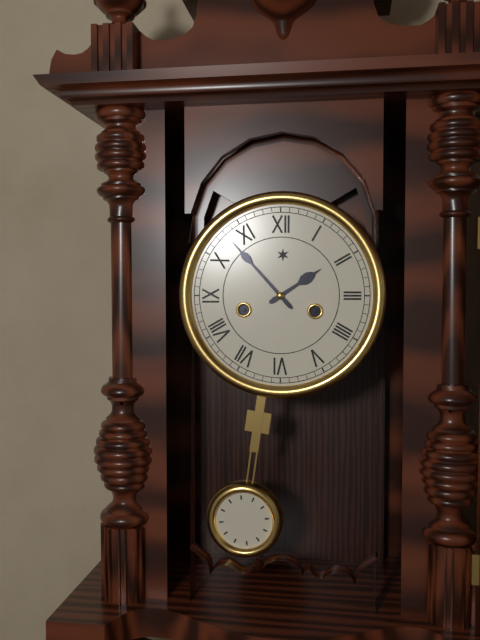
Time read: 1 h 53 min
